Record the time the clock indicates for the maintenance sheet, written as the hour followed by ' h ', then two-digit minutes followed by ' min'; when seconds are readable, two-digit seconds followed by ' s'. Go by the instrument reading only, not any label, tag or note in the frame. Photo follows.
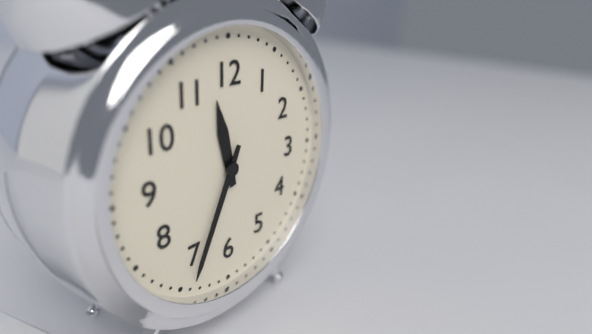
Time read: 11 h 34 min
